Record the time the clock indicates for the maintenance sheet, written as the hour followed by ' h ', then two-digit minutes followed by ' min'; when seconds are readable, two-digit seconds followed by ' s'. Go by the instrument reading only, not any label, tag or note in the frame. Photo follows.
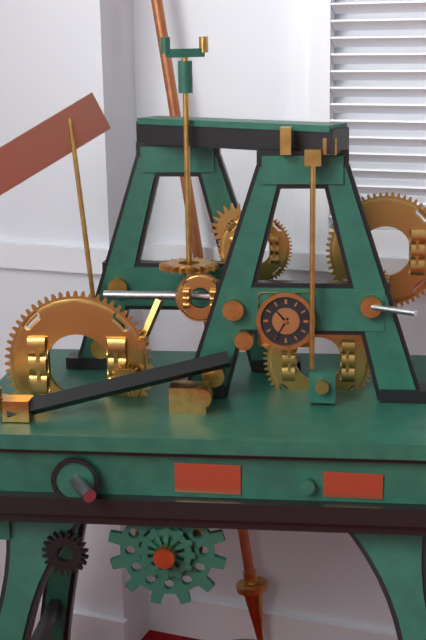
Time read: 10 h 35 min
